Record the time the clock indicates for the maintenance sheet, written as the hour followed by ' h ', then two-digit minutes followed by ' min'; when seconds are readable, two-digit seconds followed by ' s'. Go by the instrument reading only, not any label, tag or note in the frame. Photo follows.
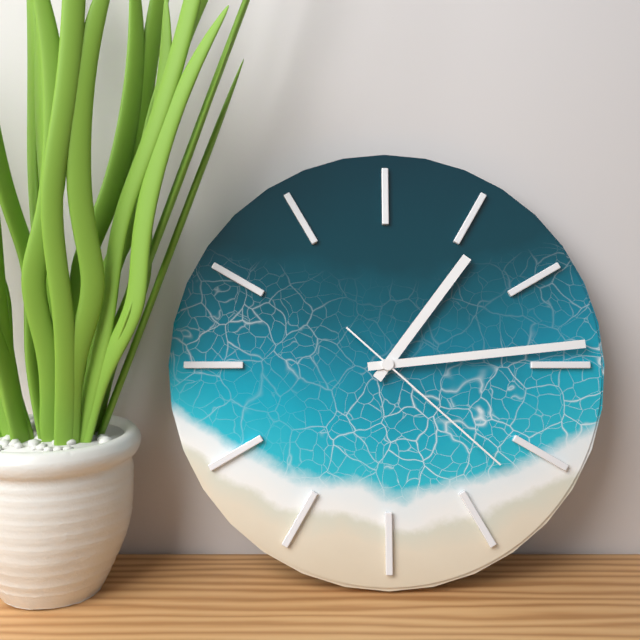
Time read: 1 h 14 min 22 s
